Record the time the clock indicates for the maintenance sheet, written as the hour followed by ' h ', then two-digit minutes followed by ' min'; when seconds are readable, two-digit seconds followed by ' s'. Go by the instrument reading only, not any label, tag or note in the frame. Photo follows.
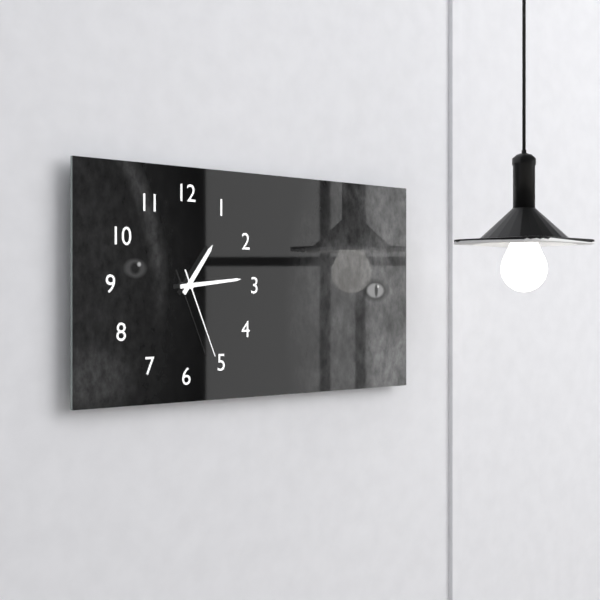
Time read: 1 h 14 min 26 s
